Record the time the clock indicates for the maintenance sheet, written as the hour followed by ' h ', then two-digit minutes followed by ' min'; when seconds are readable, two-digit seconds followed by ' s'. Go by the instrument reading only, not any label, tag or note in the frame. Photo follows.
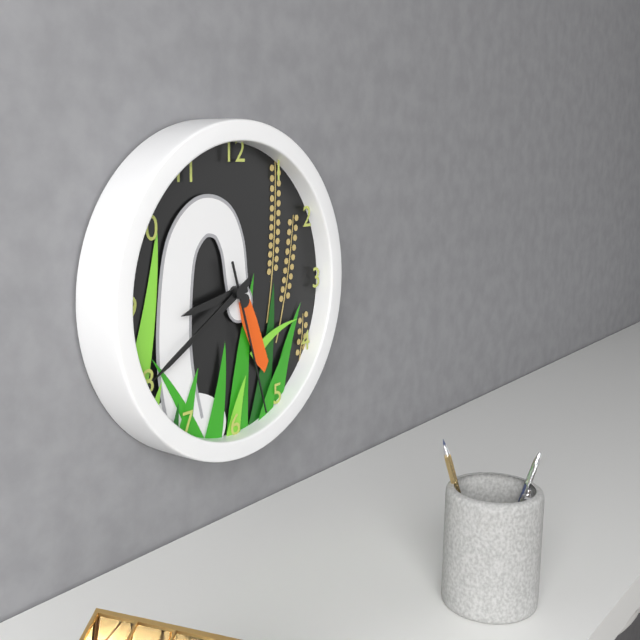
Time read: 8 h 40 min 27 s
